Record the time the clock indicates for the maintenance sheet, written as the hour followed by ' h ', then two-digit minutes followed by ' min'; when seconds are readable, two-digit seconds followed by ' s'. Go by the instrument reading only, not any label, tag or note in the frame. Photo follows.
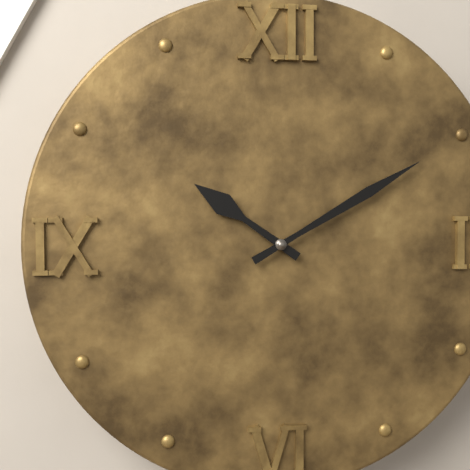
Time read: 10 h 10 min
